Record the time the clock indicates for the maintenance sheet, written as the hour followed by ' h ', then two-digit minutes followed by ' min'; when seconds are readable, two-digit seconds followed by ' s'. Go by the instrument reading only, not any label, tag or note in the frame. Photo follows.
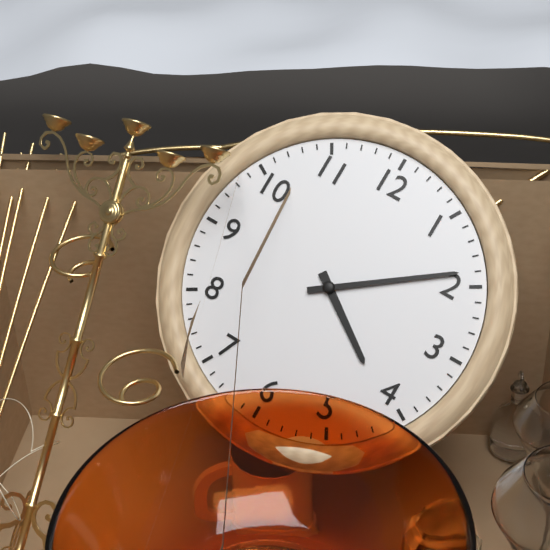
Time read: 4 h 09 min
